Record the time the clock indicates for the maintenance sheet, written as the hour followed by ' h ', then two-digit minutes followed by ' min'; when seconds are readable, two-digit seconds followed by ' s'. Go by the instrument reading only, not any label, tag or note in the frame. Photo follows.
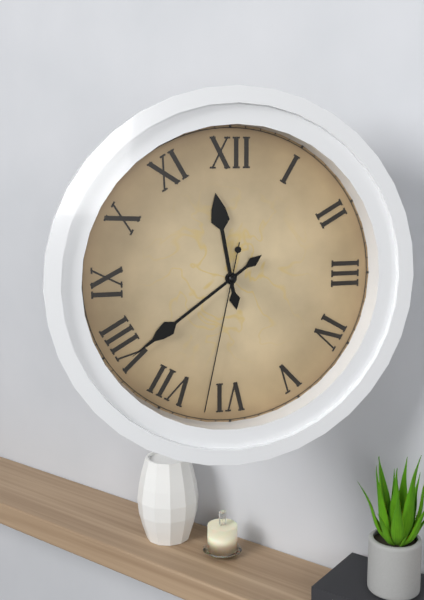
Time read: 11 h 39 min 32 s
